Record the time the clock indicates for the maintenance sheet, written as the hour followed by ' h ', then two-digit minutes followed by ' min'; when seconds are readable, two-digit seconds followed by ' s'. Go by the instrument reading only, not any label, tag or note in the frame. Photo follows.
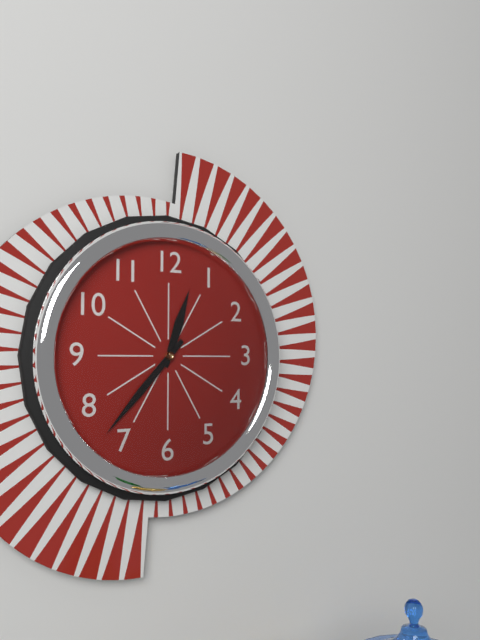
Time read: 12 h 37 min
